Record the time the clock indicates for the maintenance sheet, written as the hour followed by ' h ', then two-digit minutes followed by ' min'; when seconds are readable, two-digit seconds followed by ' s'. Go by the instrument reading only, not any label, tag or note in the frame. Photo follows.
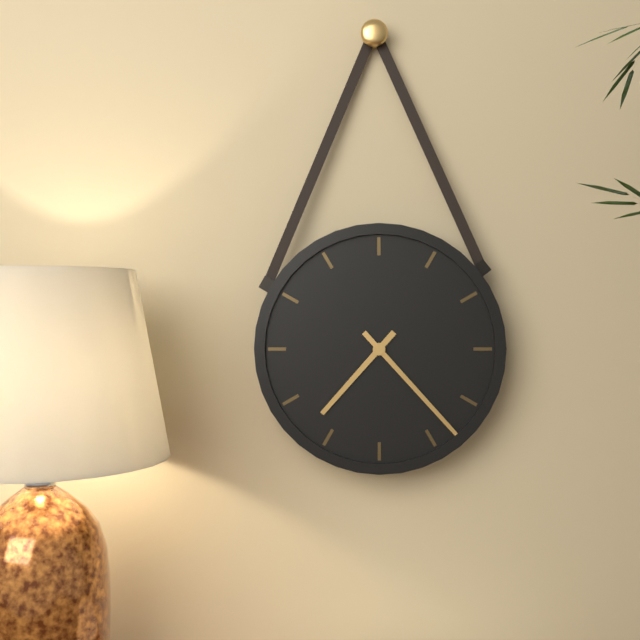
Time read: 7 h 23 min
